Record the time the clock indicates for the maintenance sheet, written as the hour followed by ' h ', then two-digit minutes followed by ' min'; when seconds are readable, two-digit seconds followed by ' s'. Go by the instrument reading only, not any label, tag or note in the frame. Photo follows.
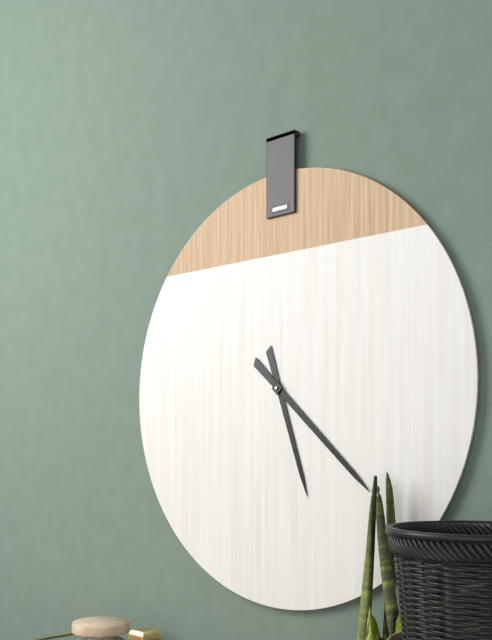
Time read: 5 h 22 min
